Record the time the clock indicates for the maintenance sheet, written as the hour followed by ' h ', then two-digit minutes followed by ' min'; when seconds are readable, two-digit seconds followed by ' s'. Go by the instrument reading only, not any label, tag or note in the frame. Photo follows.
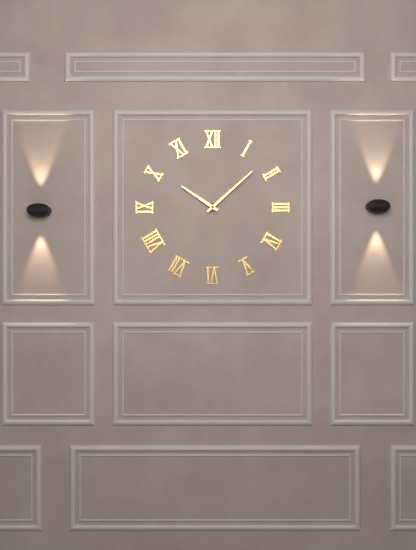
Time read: 10 h 08 min
